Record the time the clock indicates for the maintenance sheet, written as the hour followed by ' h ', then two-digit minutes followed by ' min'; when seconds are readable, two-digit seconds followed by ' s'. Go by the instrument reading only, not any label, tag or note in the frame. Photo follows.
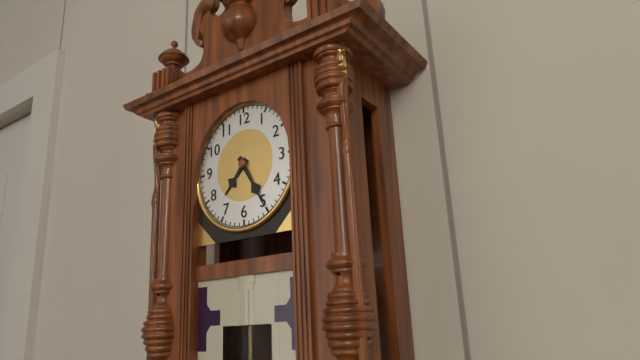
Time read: 7 h 25 min
